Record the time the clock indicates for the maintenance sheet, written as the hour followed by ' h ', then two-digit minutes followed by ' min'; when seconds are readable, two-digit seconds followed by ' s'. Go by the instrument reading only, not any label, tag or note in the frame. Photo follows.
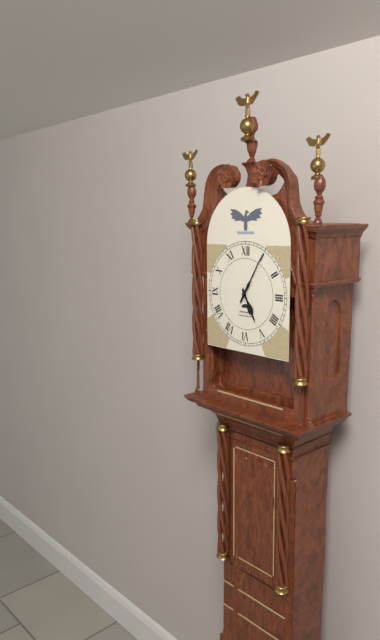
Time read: 5 h 05 min
